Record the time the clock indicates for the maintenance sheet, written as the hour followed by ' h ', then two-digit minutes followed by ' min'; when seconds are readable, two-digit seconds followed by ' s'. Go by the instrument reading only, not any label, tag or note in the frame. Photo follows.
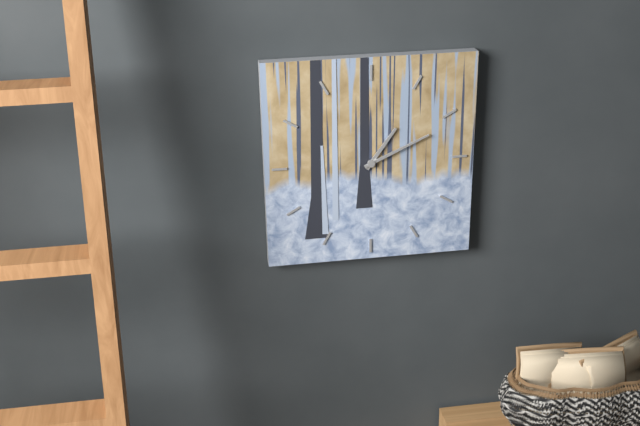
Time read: 1 h 11 min
